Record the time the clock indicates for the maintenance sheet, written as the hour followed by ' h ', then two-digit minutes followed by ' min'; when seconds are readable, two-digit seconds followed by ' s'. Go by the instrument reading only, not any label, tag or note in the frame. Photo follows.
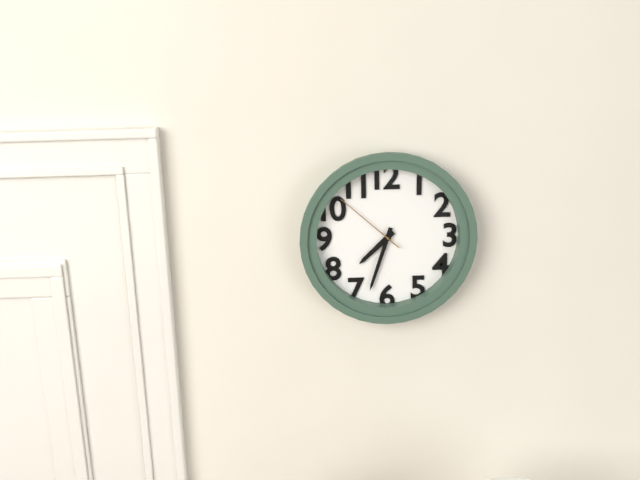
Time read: 7 h 33 min 52 s
